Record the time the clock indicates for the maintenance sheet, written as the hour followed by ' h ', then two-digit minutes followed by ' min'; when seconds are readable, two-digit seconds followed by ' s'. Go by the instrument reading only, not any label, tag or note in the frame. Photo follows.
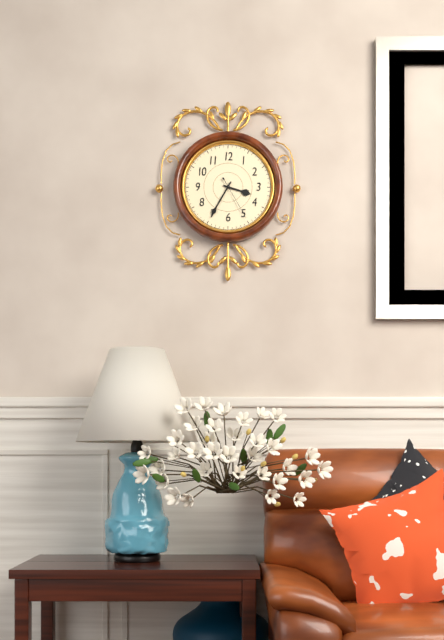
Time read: 3 h 35 min
